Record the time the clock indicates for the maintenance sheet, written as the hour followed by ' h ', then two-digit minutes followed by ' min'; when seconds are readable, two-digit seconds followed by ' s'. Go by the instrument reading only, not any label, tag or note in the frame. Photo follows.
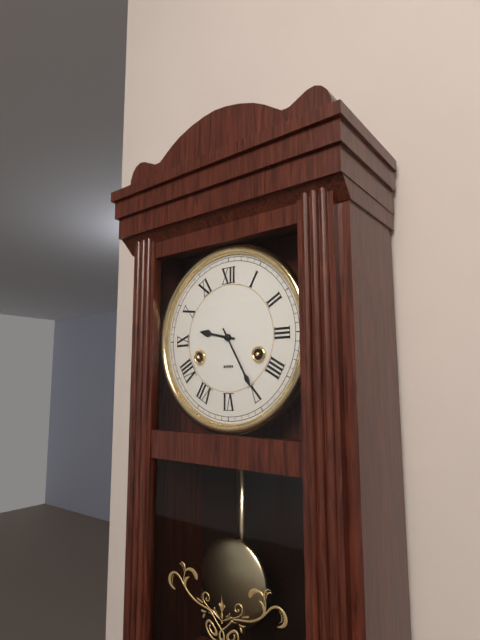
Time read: 9 h 25 min
